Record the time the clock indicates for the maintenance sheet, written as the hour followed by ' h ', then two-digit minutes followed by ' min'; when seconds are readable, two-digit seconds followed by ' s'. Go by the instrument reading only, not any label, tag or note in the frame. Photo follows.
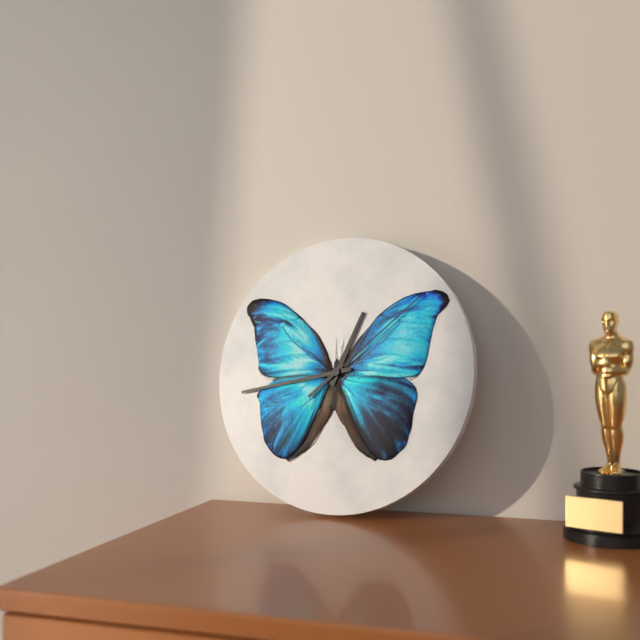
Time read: 12 h 43 min 08 s
